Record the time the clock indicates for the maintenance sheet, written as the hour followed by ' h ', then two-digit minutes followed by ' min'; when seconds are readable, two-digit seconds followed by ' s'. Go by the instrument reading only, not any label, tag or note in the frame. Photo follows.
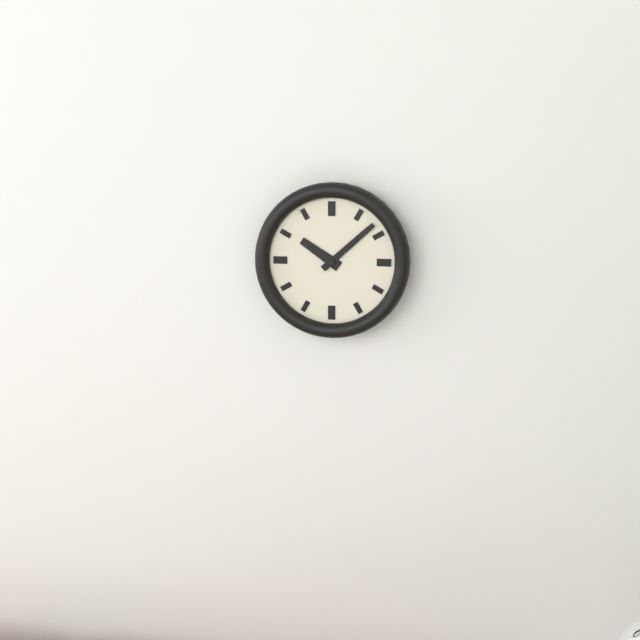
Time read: 10 h 08 min
